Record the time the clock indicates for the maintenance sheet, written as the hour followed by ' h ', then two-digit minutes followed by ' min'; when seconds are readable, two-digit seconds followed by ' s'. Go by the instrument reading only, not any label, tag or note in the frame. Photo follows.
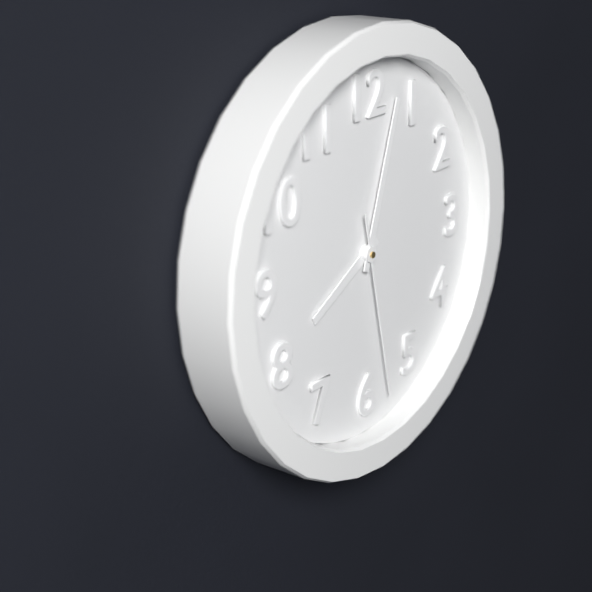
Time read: 8 h 03 min 28 s
